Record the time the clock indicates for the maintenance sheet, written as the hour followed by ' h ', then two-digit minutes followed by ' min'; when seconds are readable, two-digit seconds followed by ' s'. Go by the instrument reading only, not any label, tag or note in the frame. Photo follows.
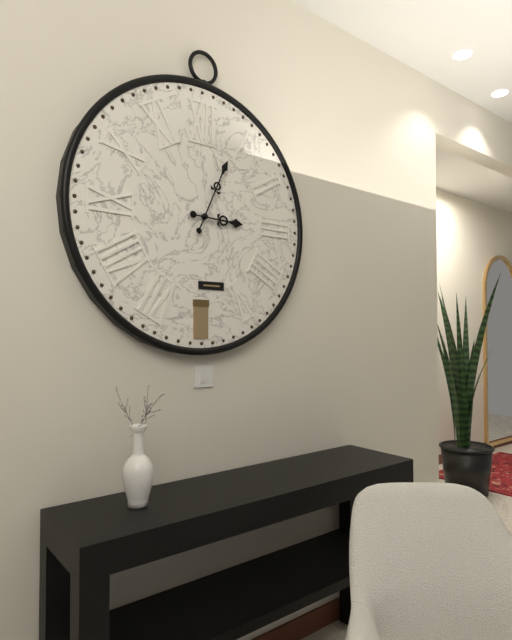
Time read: 3 h 04 min
